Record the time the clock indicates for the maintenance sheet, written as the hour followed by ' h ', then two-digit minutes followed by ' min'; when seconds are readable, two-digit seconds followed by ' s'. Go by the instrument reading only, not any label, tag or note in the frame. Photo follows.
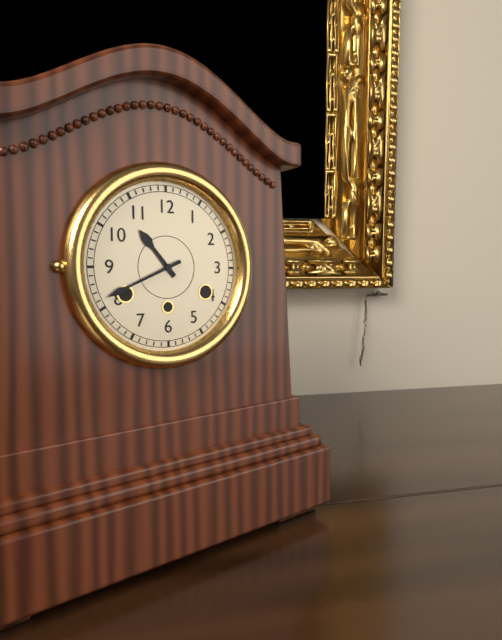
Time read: 10 h 41 min
